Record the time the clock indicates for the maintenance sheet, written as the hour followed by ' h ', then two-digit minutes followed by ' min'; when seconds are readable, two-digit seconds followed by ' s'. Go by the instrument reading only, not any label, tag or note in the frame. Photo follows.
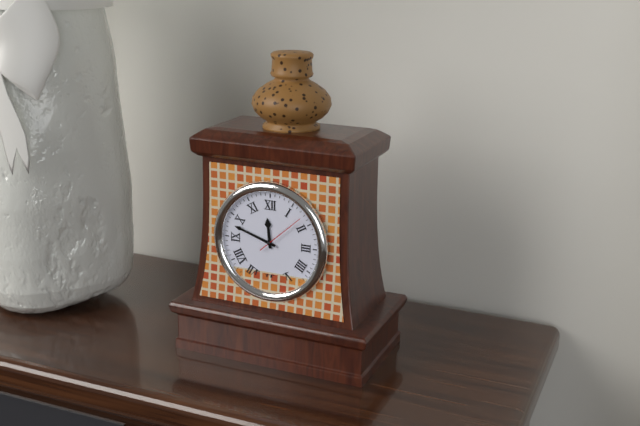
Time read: 11 h 48 min
